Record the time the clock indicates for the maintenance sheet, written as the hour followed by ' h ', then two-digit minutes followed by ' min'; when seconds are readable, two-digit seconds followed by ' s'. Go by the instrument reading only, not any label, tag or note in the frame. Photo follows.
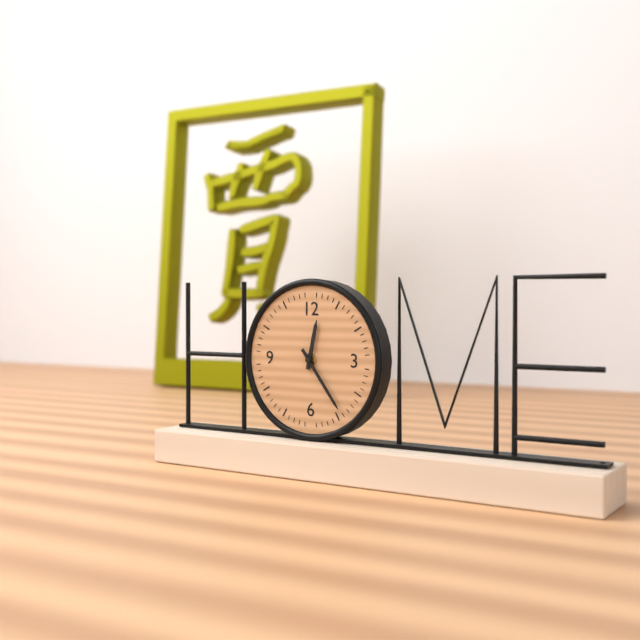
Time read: 12 h 24 min
